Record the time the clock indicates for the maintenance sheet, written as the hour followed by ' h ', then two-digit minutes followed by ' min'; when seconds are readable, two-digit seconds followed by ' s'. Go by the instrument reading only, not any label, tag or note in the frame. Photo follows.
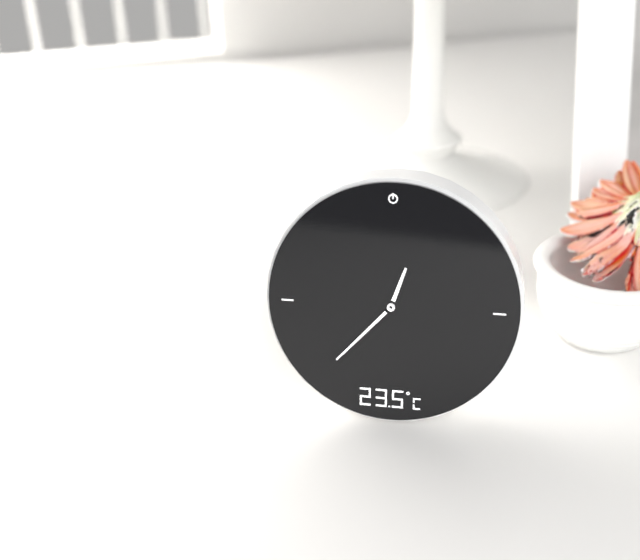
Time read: 12 h 37 min
